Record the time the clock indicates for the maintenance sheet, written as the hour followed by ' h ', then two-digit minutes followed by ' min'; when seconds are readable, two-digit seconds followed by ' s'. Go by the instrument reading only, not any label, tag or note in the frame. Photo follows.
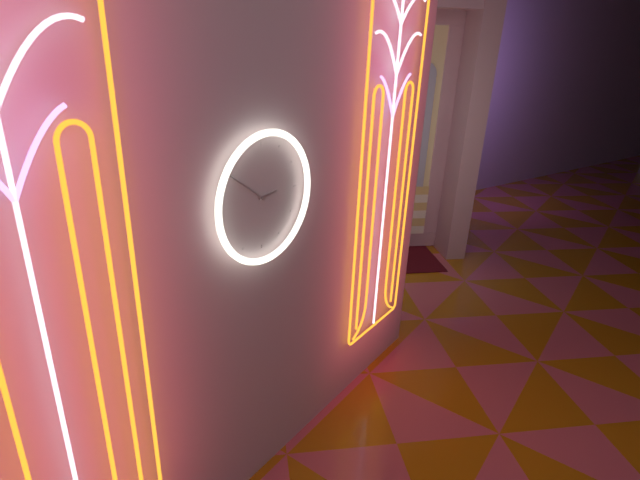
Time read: 2 h 51 min
